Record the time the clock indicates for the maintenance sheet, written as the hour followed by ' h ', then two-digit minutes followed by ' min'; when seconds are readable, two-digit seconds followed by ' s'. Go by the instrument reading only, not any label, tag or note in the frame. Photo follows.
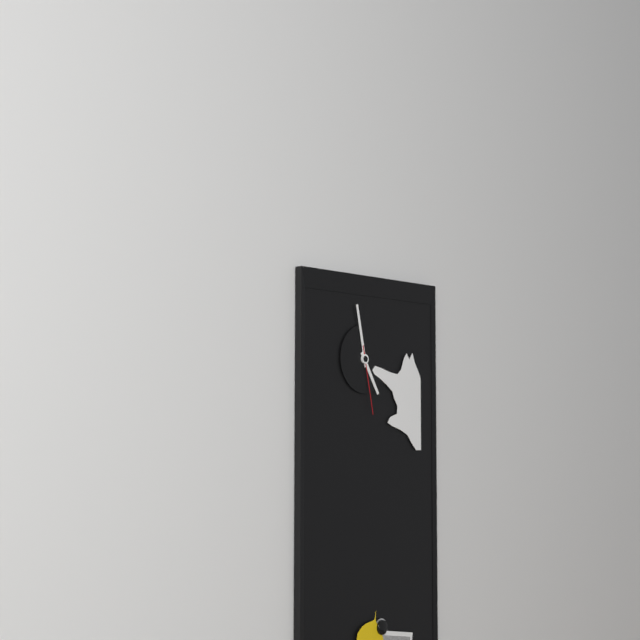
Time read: 4 h 58 min 28 s
